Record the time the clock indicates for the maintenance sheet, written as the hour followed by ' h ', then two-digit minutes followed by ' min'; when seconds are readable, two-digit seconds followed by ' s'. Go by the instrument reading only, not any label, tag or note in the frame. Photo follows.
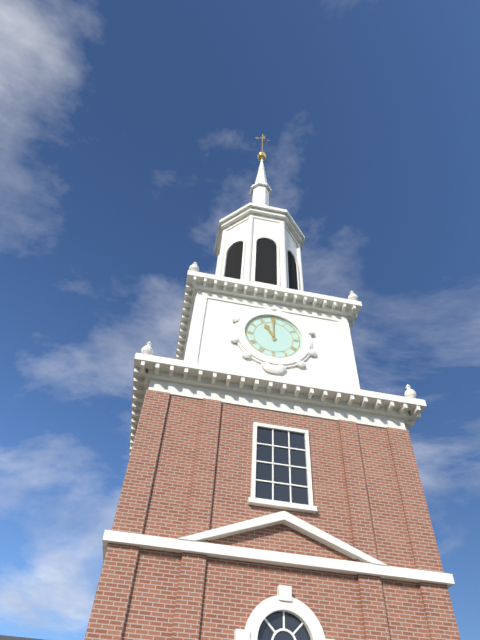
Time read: 11 h 00 min
